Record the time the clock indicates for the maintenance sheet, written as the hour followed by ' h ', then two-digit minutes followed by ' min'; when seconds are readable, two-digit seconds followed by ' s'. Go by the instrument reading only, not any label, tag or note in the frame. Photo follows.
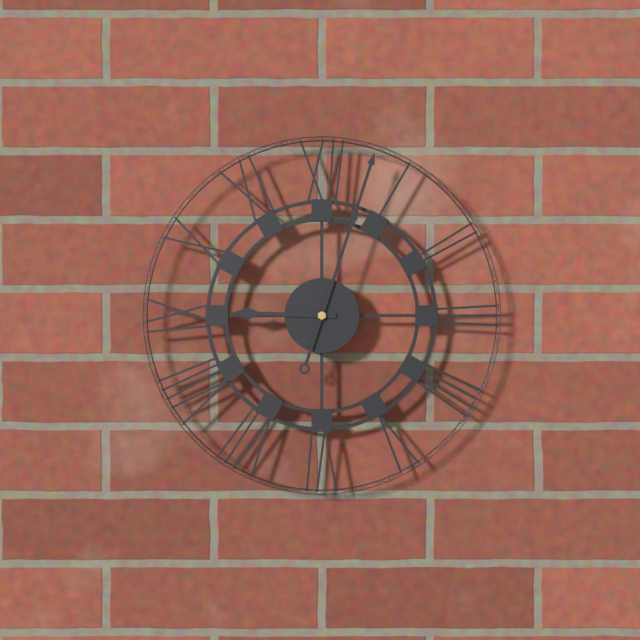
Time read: 9 h 03 min
